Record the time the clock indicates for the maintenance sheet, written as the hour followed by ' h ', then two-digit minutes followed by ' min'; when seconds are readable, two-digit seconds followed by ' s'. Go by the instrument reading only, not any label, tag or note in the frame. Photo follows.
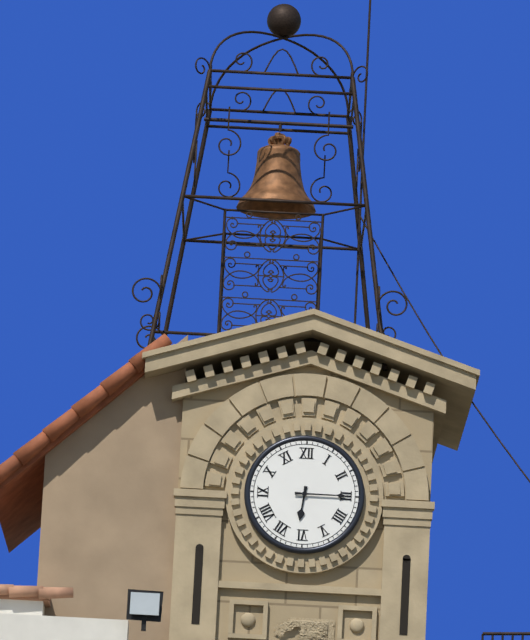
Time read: 6 h 15 min
